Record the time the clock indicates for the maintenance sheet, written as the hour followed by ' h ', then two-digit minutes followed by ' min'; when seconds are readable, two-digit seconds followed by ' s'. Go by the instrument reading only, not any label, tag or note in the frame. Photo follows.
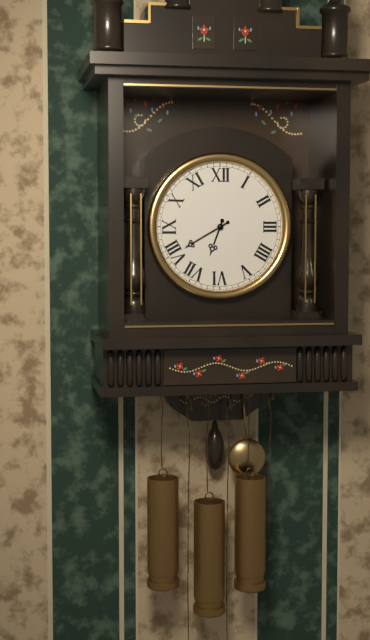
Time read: 6 h 40 min
